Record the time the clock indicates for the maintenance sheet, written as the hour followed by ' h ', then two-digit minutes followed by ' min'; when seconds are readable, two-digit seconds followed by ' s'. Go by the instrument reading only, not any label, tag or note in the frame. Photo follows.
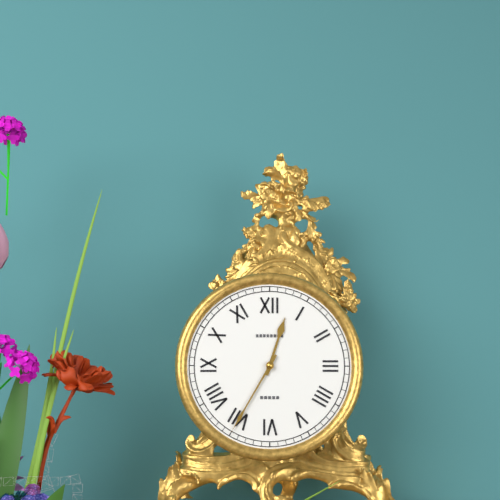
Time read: 12 h 35 min
